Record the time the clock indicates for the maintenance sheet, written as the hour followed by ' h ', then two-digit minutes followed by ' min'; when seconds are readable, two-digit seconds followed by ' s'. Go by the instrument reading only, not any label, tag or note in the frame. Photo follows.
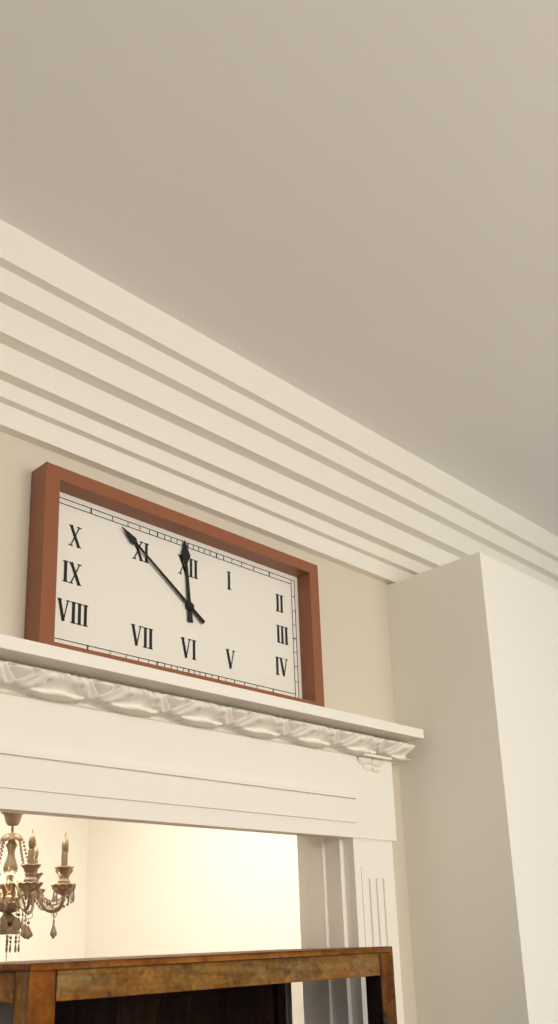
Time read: 11 h 51 min
